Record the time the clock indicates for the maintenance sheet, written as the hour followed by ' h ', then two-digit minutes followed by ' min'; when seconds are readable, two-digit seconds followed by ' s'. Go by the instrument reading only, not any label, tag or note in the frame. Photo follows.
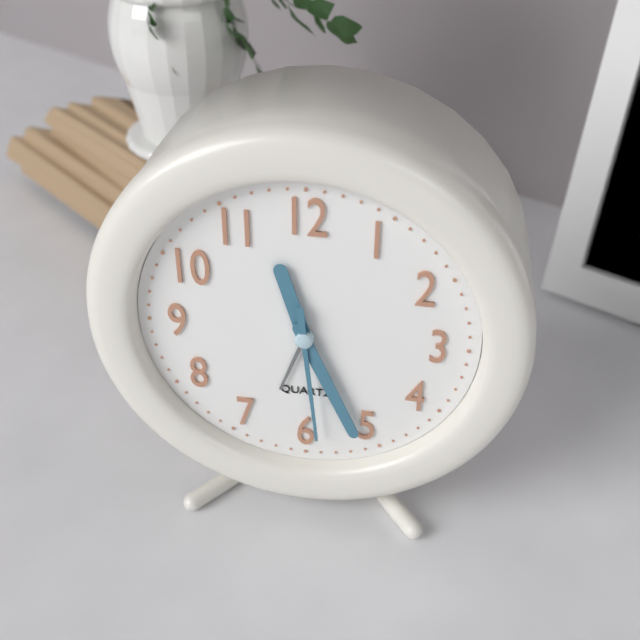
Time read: 11 h 26 min 29 s
